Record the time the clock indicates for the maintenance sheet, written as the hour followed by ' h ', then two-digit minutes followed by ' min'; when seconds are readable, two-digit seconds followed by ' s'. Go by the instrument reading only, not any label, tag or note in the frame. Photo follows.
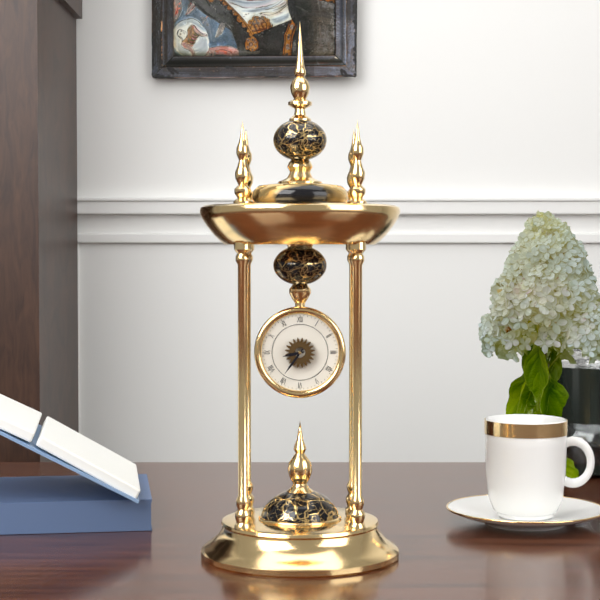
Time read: 8 h 36 min
